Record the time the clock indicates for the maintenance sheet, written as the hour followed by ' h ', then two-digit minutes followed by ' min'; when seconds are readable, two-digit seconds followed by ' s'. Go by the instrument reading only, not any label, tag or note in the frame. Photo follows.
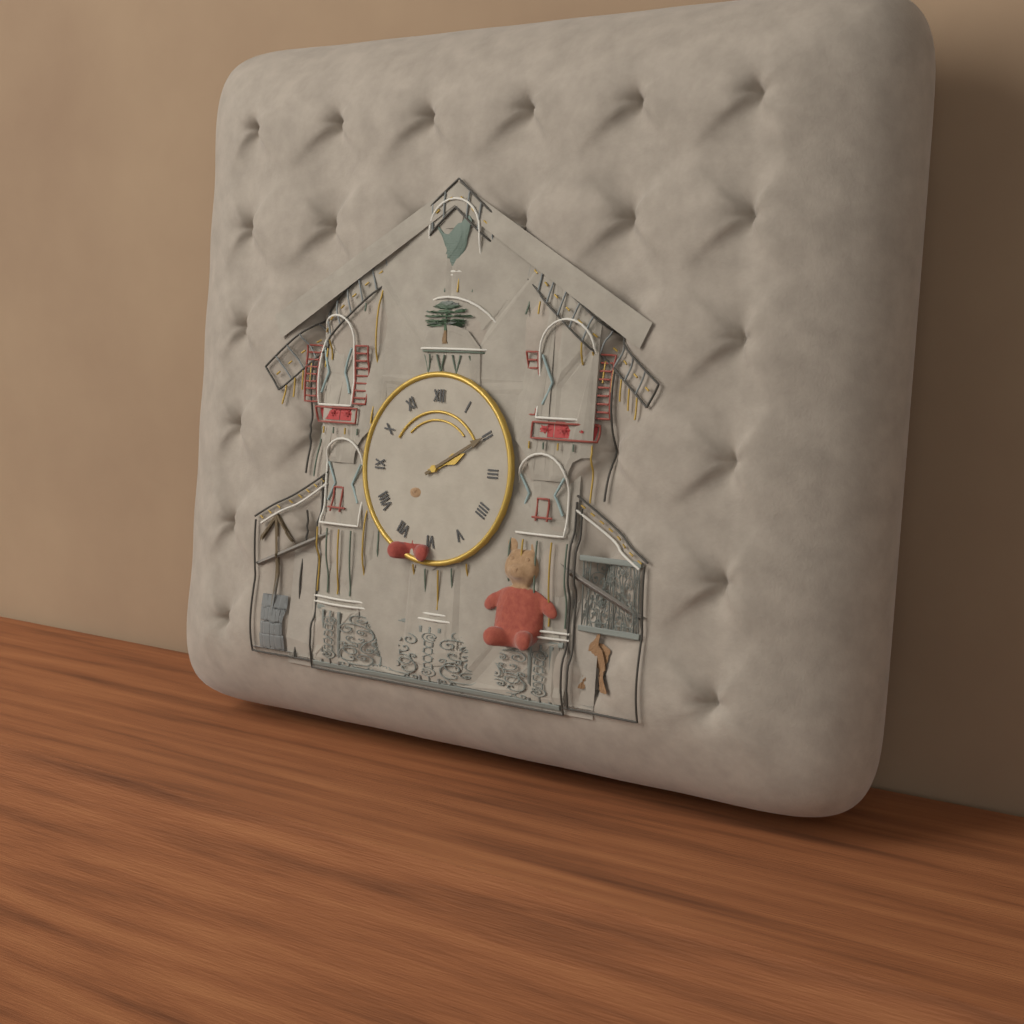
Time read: 2 h 10 min
